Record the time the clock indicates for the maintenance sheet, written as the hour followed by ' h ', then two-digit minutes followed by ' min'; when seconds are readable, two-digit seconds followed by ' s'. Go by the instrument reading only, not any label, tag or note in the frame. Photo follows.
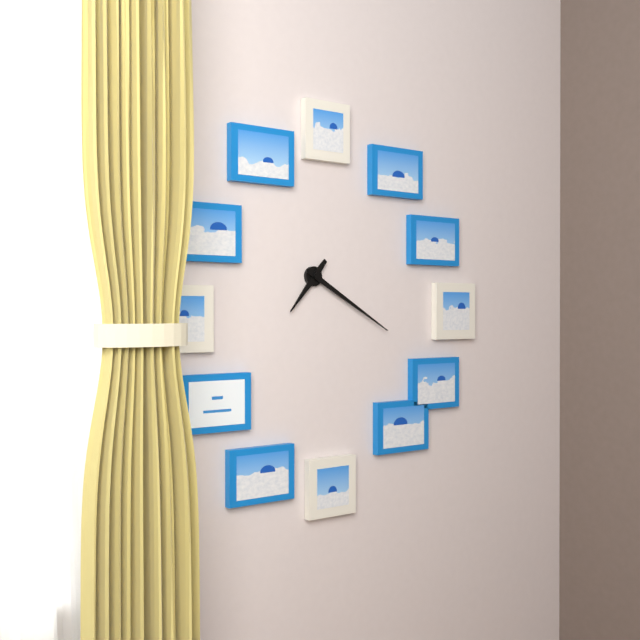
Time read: 7 h 20 min
